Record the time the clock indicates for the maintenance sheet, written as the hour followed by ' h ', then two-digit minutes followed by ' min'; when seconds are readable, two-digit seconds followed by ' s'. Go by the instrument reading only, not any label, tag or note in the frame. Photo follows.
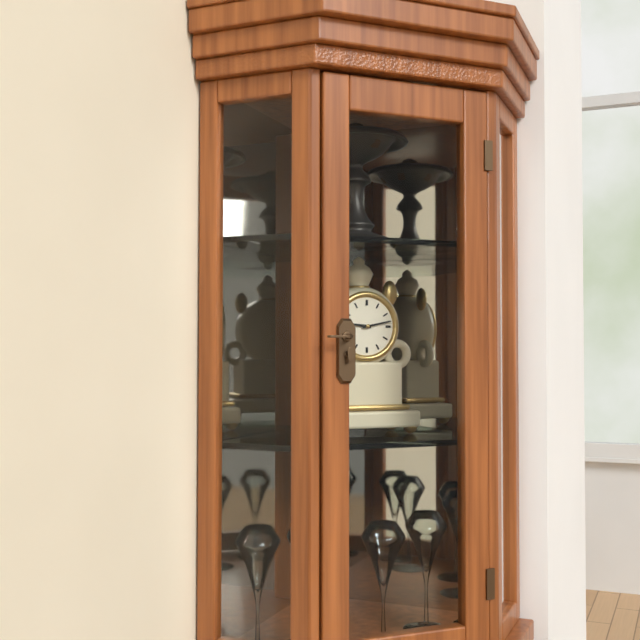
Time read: 9 h 13 min
